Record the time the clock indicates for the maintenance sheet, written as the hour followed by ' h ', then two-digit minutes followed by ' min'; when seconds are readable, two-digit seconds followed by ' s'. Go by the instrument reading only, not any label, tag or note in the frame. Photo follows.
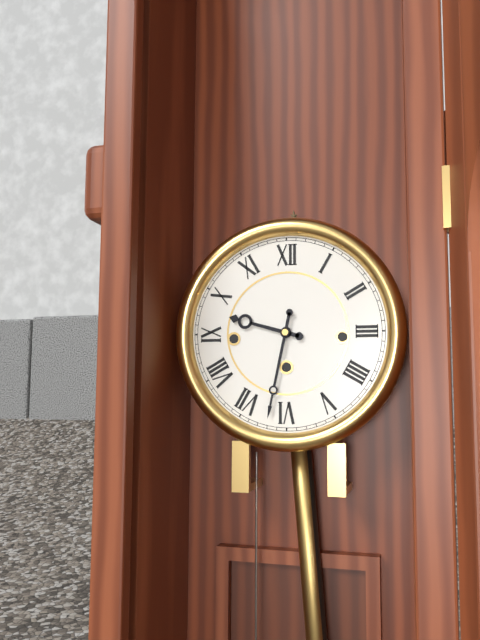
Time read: 9 h 32 min
